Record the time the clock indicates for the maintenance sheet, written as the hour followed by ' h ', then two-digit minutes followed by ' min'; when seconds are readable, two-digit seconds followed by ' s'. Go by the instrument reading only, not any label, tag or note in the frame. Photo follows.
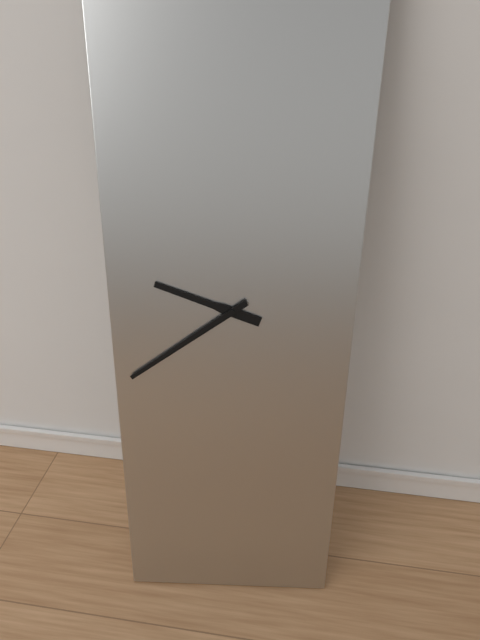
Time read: 9 h 39 min
